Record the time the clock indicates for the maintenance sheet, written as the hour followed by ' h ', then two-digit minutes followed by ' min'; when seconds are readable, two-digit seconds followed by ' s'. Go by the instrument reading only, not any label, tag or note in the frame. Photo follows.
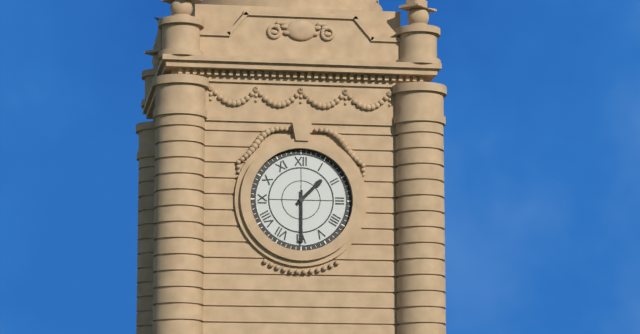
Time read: 1 h 30 min
